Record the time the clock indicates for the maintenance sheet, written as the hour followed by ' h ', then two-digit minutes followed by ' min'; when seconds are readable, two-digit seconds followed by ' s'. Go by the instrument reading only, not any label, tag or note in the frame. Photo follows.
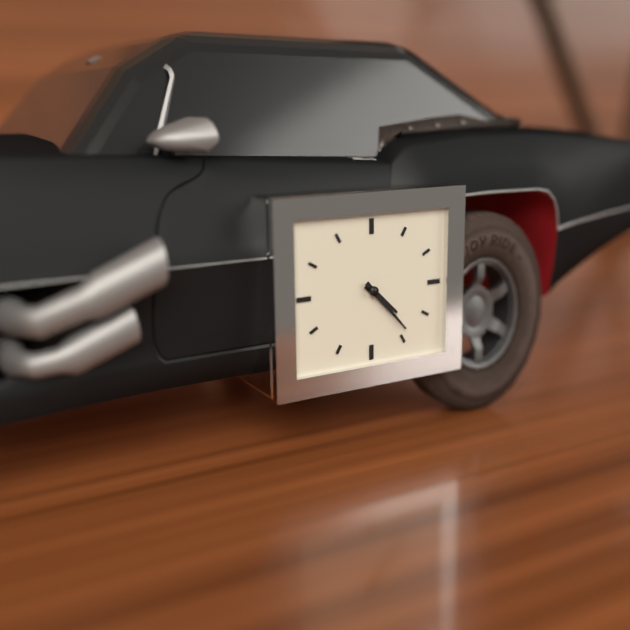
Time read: 4 h 23 min
